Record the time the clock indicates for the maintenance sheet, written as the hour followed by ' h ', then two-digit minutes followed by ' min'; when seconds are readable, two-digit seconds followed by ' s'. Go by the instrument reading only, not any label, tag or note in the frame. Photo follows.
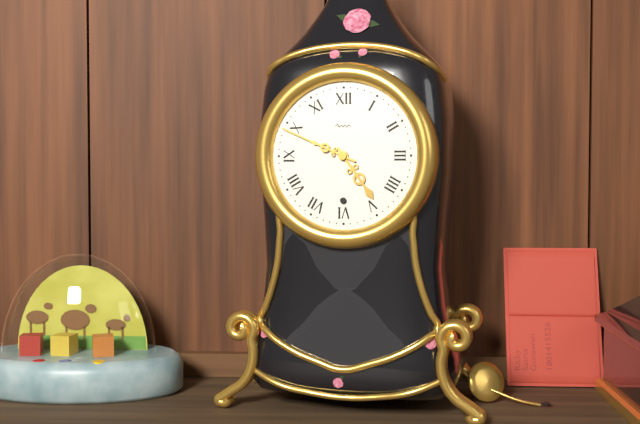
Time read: 4 h 49 min
